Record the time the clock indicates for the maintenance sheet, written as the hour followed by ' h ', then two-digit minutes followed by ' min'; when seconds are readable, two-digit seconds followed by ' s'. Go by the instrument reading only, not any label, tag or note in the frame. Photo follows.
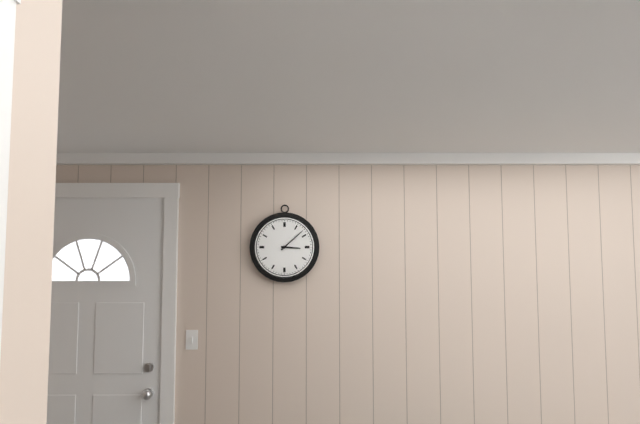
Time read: 3 h 08 min
